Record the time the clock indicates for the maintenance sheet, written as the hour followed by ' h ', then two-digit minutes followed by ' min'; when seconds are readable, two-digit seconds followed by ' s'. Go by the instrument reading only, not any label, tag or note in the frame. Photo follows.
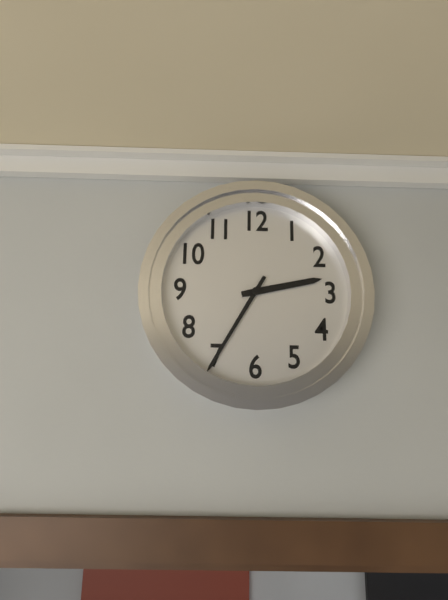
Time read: 2 h 35 min
